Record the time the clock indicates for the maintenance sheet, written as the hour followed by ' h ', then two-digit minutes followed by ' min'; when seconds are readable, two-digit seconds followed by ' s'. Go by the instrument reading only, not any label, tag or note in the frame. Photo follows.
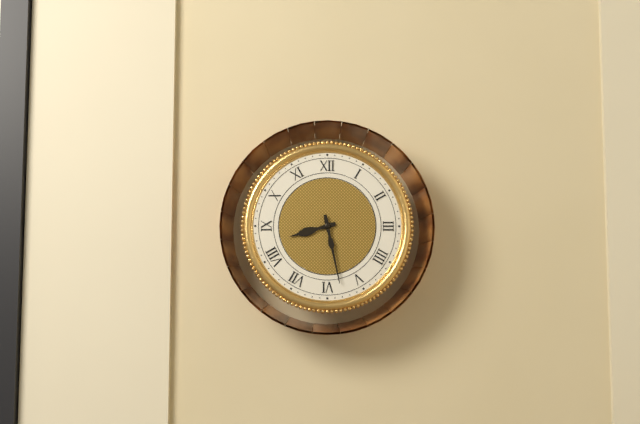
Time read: 8 h 28 min
